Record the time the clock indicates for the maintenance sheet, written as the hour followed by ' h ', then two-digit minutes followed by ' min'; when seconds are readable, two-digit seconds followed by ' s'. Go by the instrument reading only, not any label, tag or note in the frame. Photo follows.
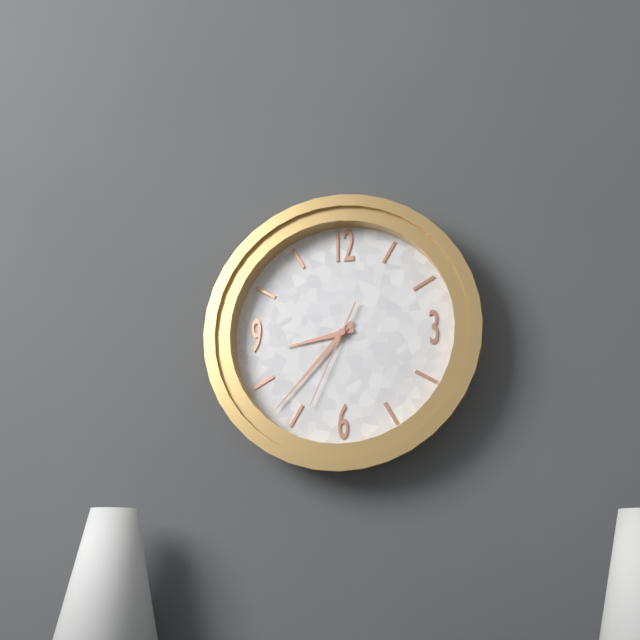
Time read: 8 h 37 min 34 s
